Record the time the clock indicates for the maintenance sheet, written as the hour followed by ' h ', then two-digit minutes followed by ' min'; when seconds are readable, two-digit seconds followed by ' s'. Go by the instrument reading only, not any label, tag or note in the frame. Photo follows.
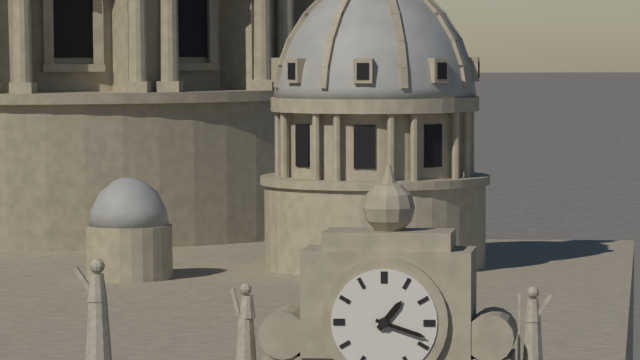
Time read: 1 h 18 min
